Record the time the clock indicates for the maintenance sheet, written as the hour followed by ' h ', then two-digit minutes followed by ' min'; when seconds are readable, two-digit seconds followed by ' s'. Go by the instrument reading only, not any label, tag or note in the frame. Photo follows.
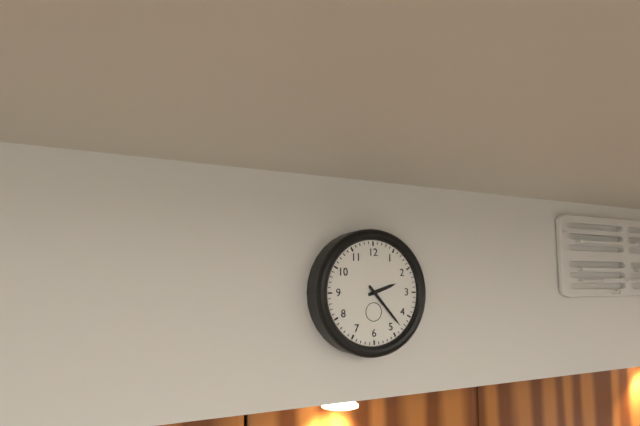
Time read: 2 h 23 min
